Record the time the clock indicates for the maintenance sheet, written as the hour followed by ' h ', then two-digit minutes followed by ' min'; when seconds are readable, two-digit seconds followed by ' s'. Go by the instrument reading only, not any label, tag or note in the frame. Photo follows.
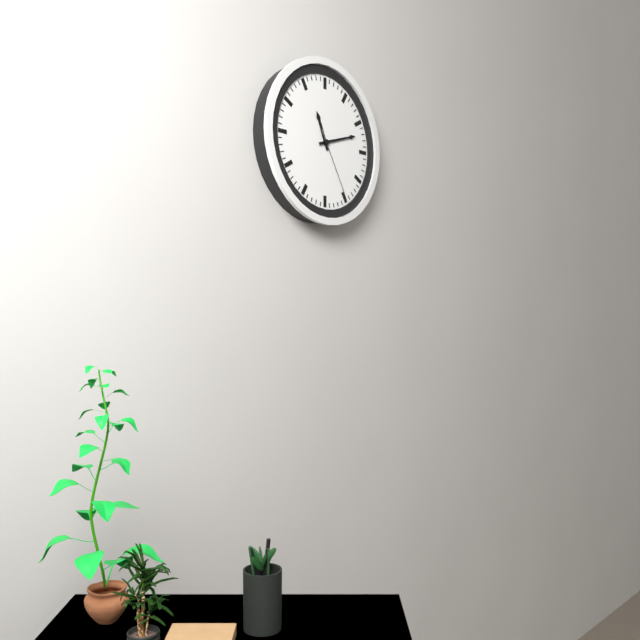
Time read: 11 h 12 min 25 s
